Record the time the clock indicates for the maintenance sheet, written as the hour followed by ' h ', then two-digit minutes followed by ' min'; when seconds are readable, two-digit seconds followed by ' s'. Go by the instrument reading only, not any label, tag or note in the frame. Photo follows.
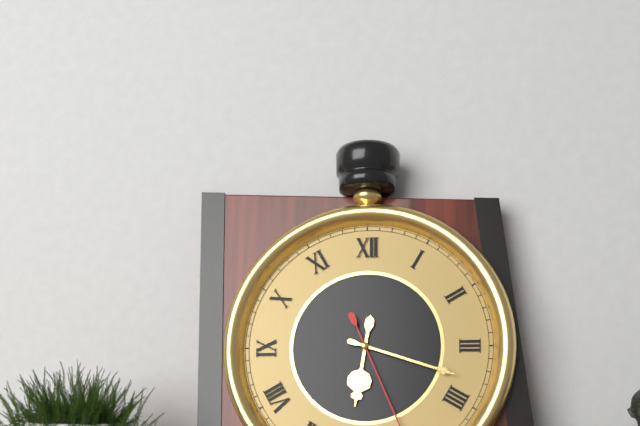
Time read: 6 h 18 min
